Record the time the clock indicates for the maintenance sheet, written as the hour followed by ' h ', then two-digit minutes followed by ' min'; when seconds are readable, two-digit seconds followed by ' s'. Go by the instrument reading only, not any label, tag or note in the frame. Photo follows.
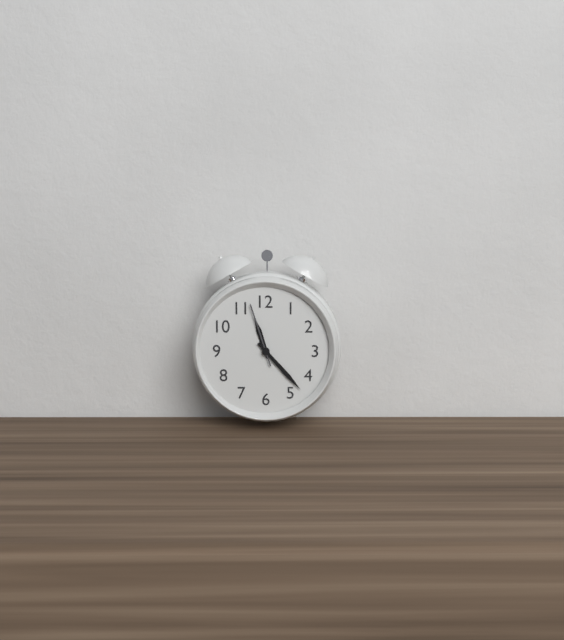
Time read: 11 h 23 min 57 s
